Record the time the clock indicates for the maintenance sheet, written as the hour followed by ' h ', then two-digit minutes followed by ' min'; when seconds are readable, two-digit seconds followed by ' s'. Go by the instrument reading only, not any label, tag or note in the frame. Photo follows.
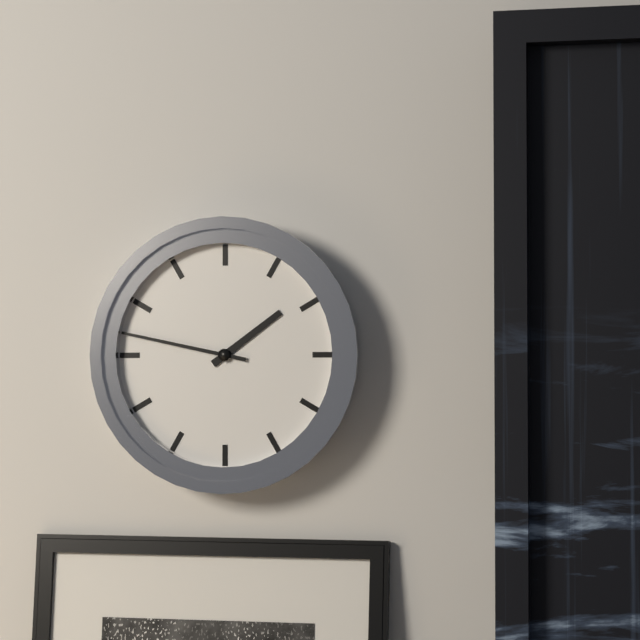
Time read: 1 h 47 min
